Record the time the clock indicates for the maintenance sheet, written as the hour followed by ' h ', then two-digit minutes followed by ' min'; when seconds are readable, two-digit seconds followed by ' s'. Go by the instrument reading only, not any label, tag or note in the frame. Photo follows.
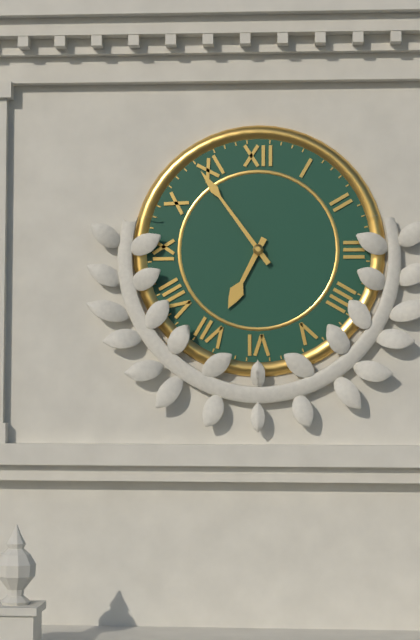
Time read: 6 h 54 min
